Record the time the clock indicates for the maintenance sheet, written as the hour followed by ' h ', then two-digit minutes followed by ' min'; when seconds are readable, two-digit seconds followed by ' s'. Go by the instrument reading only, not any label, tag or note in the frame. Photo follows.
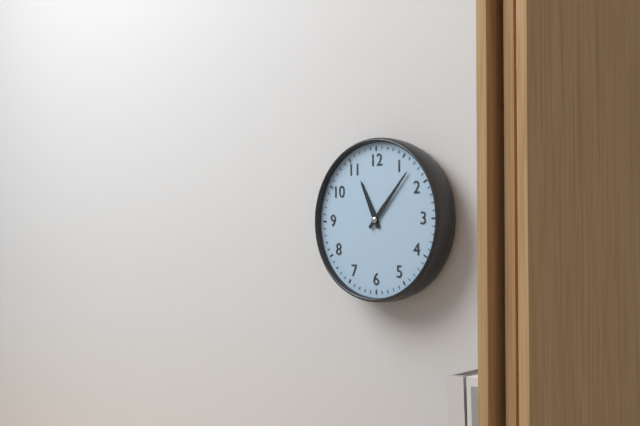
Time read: 11 h 07 min
